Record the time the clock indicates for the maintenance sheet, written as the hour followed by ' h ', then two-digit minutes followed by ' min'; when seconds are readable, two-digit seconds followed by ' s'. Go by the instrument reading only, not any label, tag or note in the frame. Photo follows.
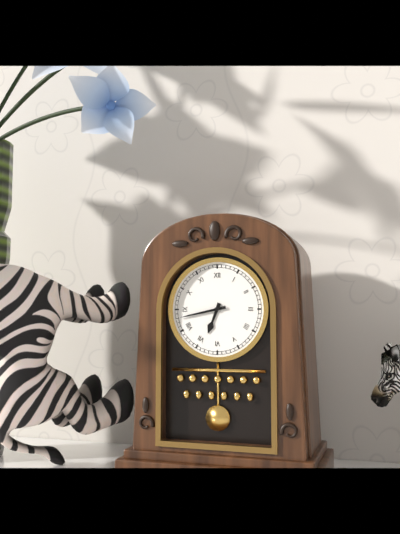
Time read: 6 h 43 min
